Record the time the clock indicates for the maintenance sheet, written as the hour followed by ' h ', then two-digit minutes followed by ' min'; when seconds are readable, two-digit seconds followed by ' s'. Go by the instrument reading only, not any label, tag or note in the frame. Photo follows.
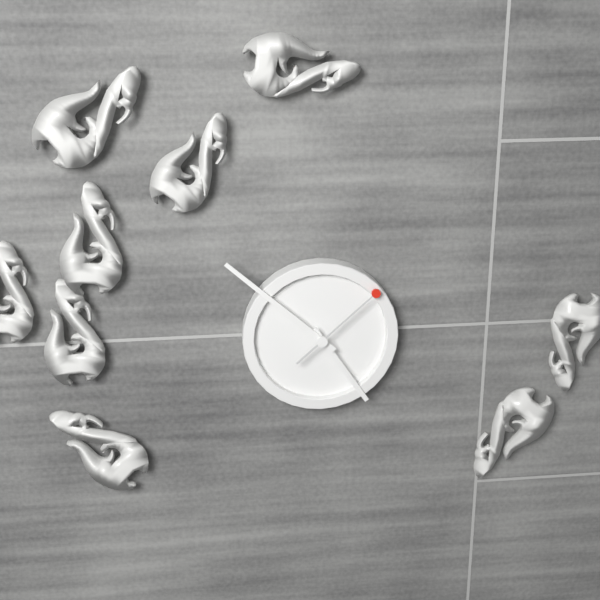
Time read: 4 h 52 min 08 s
